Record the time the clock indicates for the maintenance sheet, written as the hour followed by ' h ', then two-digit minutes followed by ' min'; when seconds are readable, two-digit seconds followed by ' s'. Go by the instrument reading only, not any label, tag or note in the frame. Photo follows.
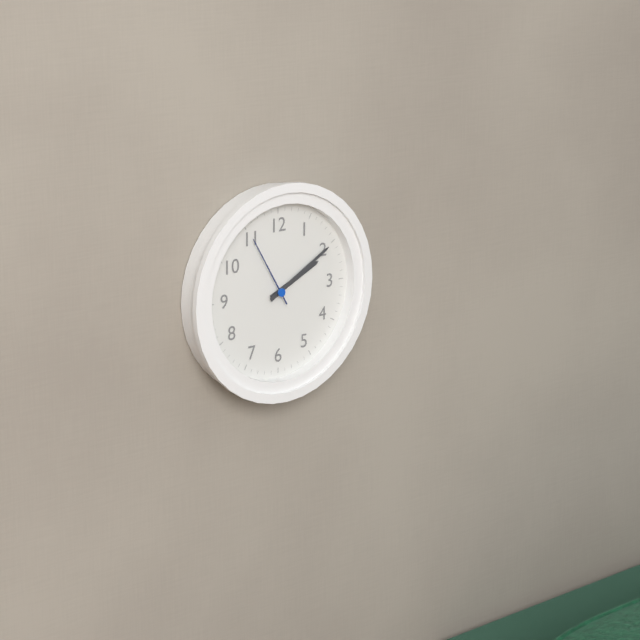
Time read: 2 h 10 min 55 s
